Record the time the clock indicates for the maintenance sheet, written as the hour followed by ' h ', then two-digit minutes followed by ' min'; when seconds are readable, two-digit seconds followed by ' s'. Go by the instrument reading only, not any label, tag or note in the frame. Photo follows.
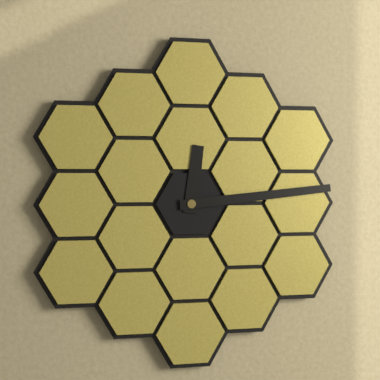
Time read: 12 h 14 min
